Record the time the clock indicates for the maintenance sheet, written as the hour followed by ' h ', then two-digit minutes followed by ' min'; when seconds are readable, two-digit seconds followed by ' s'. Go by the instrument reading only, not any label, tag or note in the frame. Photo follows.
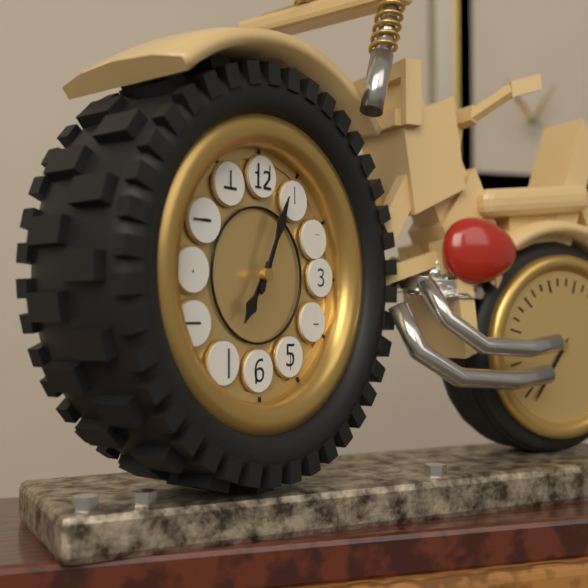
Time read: 7 h 04 min
